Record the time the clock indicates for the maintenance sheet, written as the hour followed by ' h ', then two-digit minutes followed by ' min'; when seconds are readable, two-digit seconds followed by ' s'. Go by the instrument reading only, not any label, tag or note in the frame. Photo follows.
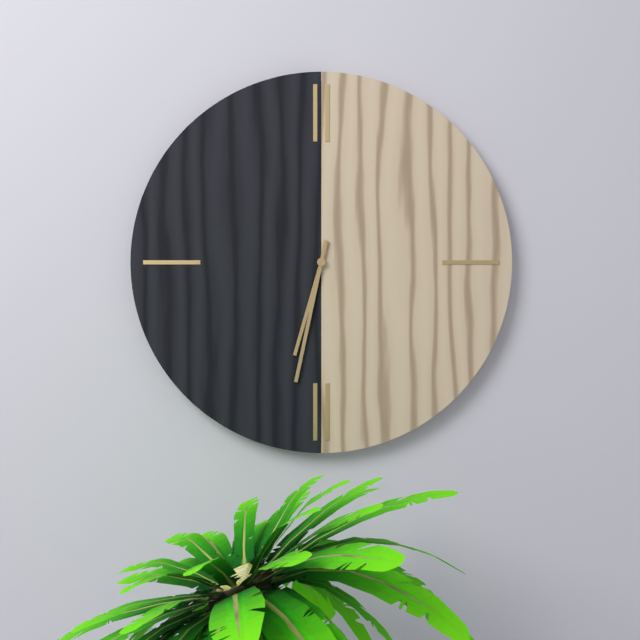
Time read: 6 h 32 min
